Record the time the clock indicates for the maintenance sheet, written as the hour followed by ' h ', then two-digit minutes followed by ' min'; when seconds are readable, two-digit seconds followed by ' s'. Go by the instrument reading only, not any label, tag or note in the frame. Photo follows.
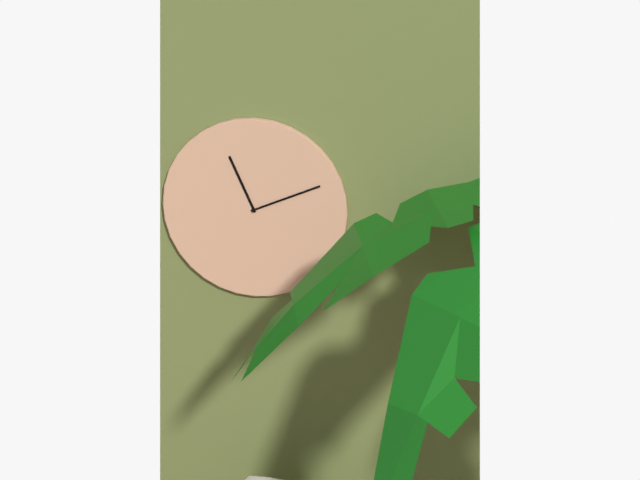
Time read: 11 h 11 min
